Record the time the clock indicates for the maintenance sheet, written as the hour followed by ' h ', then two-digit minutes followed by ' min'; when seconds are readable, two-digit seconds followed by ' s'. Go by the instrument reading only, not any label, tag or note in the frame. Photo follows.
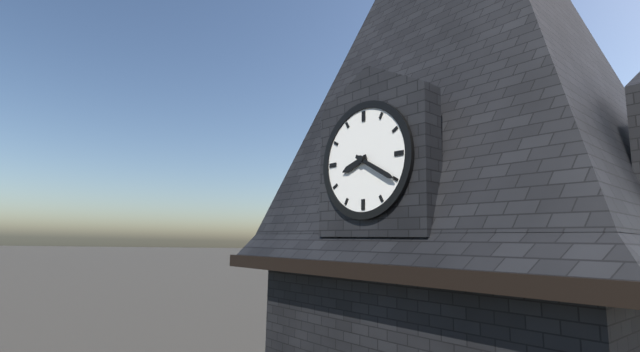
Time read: 8 h 20 min
